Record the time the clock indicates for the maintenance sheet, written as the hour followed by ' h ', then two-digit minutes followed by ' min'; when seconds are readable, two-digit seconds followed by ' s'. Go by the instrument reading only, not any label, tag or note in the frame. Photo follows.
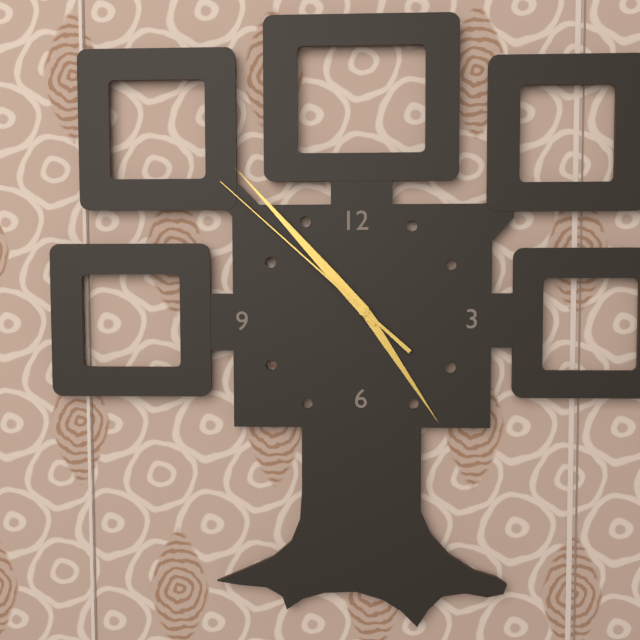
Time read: 4 h 53 min 52 s
